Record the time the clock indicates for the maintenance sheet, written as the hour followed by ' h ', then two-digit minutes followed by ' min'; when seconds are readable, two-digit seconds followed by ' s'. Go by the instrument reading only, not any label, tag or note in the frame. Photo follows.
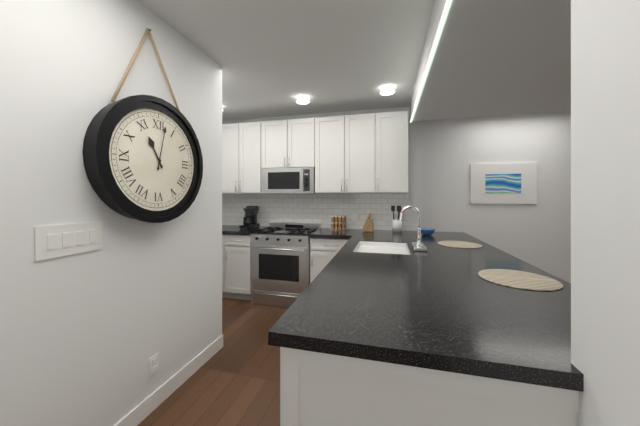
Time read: 11 h 02 min
